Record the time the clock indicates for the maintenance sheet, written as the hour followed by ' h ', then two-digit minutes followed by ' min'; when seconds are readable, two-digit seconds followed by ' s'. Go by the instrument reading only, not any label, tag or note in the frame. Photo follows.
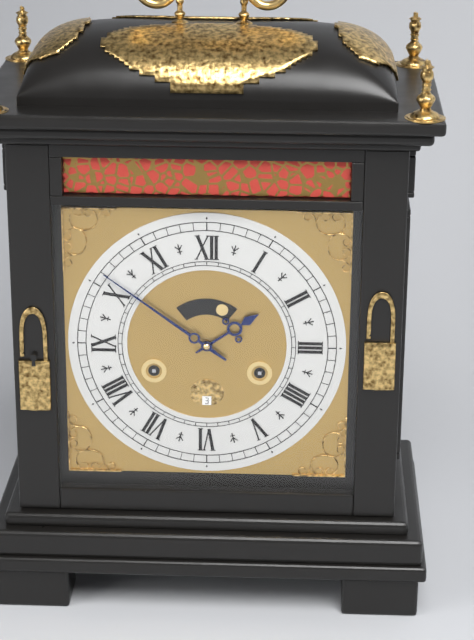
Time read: 1 h 51 min
